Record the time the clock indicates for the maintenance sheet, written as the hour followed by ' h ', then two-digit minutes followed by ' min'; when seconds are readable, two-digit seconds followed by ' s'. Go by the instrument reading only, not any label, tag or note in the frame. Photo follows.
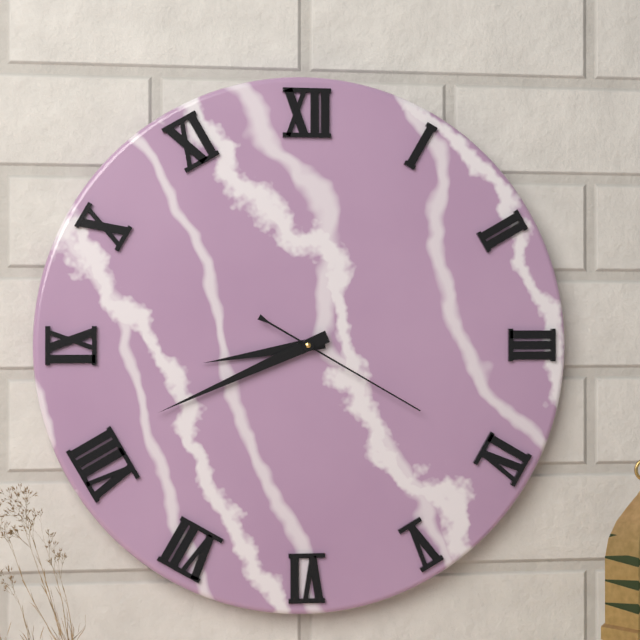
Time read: 8 h 41 min 20 s
